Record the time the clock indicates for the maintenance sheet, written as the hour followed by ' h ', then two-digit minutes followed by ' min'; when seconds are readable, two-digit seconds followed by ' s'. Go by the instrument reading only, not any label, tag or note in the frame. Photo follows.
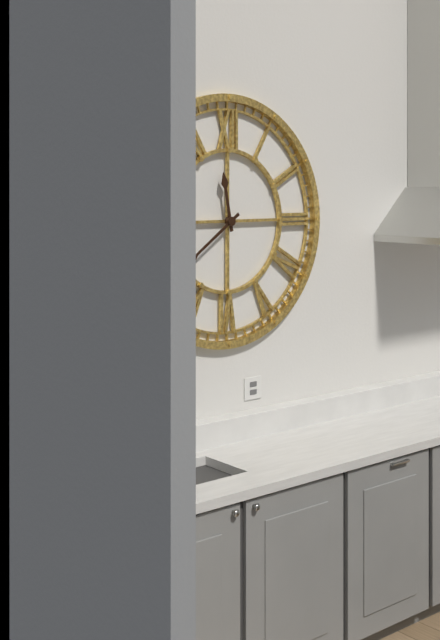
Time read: 11 h 39 min
